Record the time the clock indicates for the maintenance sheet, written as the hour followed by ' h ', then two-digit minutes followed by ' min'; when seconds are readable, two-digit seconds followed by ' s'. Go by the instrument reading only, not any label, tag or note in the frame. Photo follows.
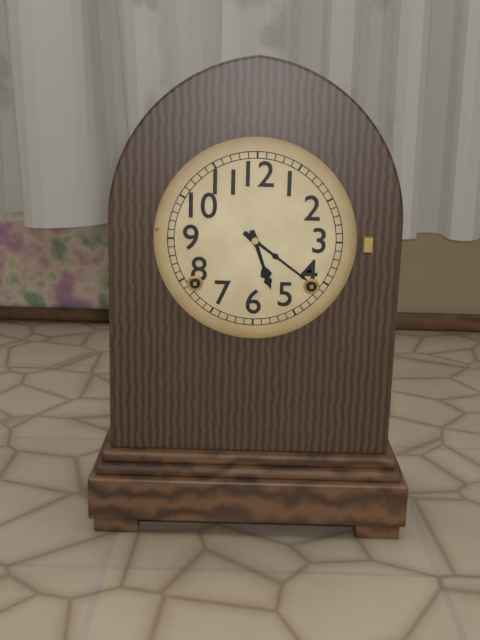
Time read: 5 h 21 min
